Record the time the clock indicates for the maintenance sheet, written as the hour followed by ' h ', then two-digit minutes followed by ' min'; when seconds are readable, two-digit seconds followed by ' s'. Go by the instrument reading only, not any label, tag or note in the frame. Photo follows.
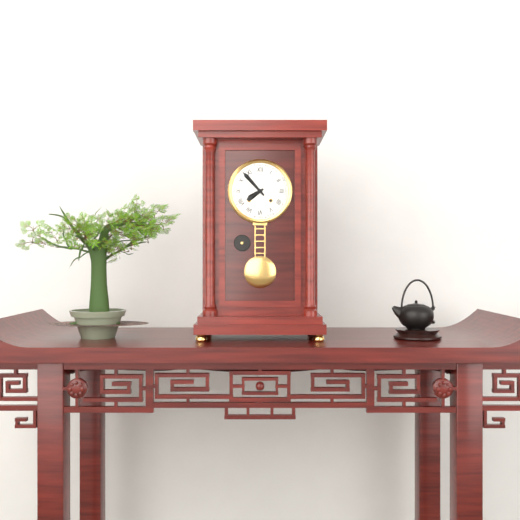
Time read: 7 h 53 min
